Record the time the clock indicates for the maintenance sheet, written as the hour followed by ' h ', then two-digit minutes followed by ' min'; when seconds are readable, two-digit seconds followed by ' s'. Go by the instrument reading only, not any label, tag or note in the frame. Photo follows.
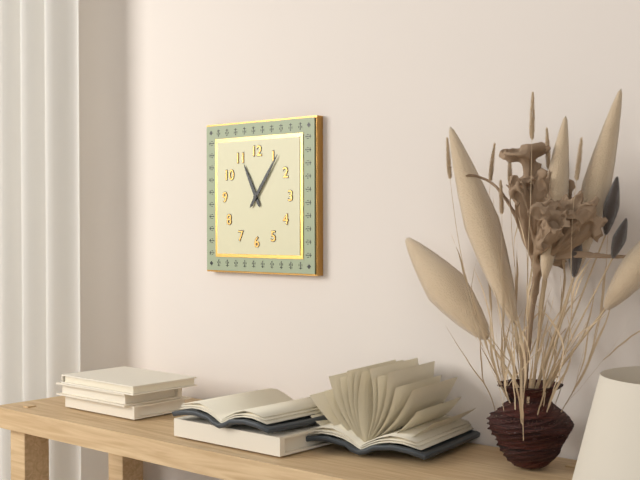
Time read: 11 h 06 min
